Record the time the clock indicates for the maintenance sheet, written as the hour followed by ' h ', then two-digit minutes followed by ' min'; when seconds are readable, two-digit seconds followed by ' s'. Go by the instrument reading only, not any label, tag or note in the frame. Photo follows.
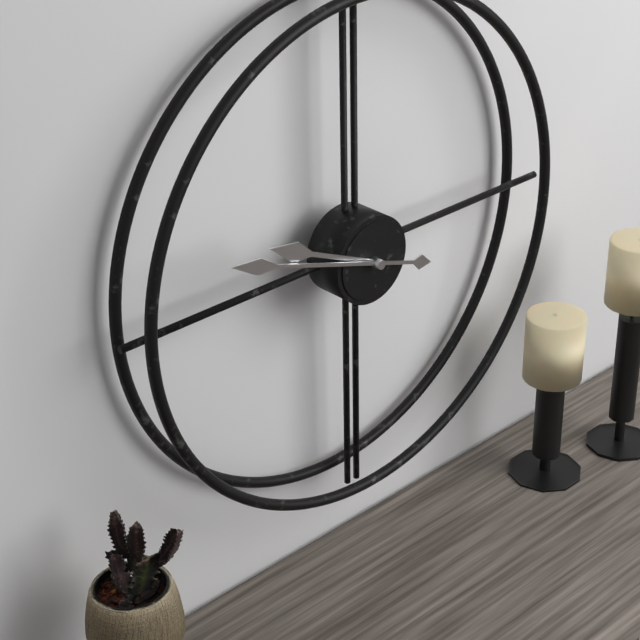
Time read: 9 h 48 min
